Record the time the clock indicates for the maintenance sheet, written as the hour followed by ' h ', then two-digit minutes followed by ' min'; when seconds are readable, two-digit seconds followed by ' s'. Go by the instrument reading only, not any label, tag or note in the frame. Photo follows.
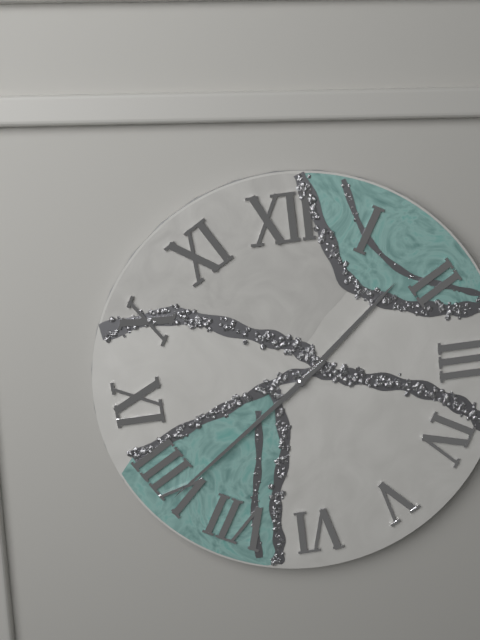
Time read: 1 h 39 min
